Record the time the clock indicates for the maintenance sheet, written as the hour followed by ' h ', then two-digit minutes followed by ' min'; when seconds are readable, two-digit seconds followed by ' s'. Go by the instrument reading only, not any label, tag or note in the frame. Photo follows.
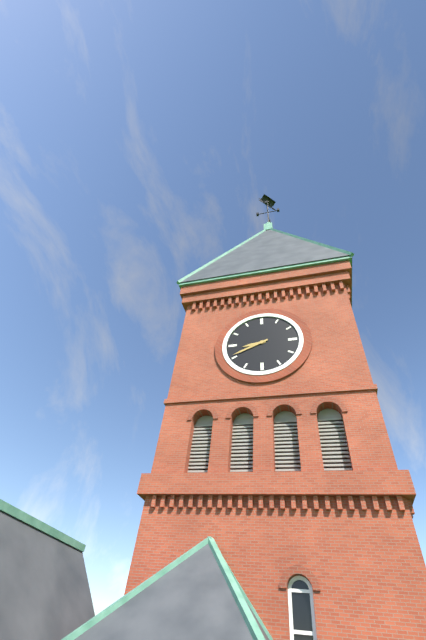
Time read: 8 h 41 min
